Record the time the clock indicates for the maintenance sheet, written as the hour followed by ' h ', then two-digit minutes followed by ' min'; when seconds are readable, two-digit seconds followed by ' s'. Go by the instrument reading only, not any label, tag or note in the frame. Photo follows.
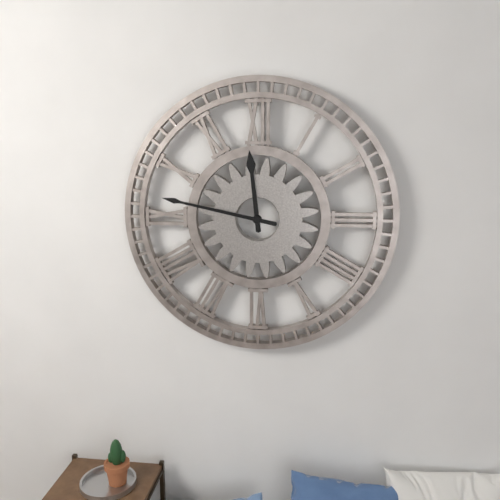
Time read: 11 h 47 min
